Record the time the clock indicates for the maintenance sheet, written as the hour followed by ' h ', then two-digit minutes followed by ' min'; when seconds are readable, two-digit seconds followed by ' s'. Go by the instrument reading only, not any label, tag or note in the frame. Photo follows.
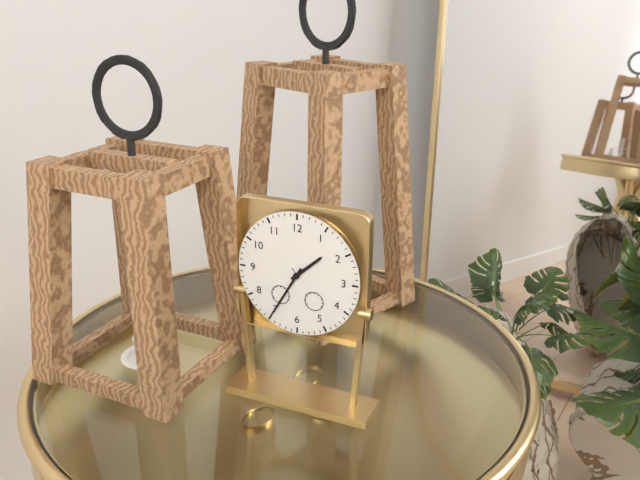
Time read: 1 h 35 min
